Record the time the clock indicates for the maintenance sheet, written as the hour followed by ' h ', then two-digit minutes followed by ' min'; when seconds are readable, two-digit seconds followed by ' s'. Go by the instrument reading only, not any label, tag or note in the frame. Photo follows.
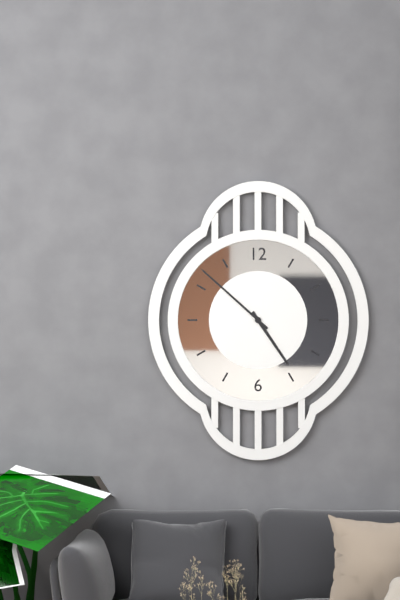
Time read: 4 h 52 min
